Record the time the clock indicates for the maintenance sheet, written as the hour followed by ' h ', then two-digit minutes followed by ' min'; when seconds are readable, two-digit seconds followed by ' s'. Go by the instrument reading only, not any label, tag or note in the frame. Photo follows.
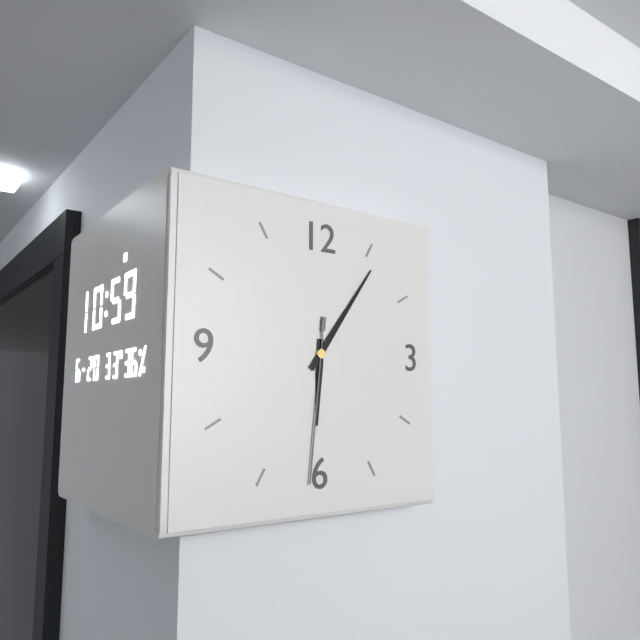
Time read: 6 h 06 min 31 s
